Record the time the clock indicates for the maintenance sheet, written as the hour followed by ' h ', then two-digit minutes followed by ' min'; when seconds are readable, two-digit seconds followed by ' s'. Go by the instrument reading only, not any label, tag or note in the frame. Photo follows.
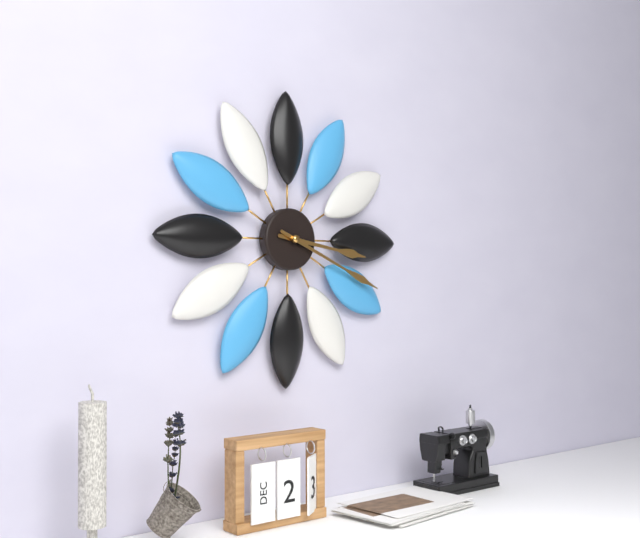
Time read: 3 h 19 min
